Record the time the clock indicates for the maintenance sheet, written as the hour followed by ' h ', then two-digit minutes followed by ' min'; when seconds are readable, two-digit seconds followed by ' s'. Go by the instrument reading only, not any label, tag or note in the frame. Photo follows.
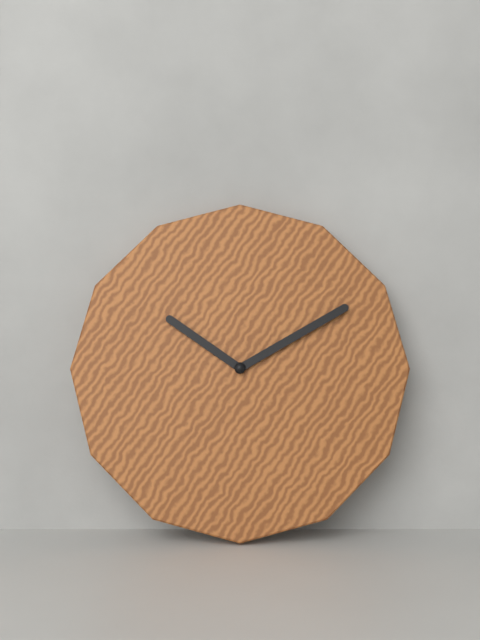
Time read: 10 h 10 min
